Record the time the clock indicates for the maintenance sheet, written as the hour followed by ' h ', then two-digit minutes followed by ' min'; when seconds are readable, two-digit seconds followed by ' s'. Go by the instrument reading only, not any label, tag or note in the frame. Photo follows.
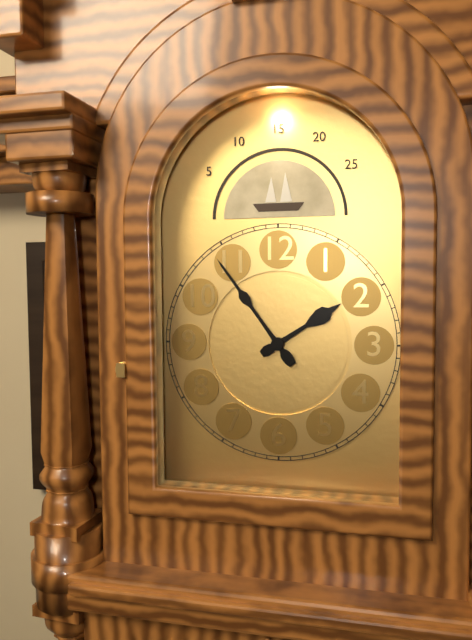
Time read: 1 h 54 min
